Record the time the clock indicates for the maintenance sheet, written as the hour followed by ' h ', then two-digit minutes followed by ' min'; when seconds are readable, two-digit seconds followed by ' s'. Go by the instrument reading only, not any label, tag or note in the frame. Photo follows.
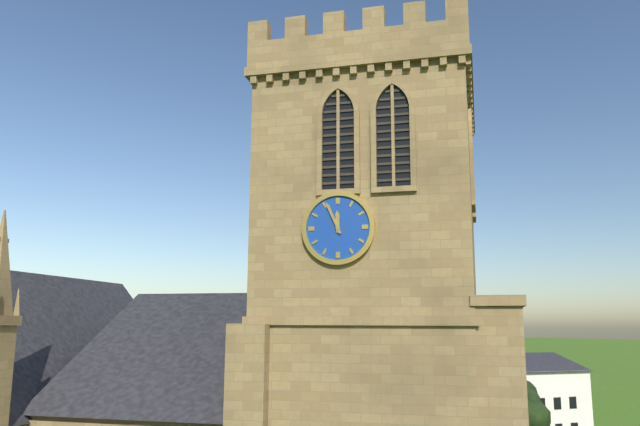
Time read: 11 h 56 min
